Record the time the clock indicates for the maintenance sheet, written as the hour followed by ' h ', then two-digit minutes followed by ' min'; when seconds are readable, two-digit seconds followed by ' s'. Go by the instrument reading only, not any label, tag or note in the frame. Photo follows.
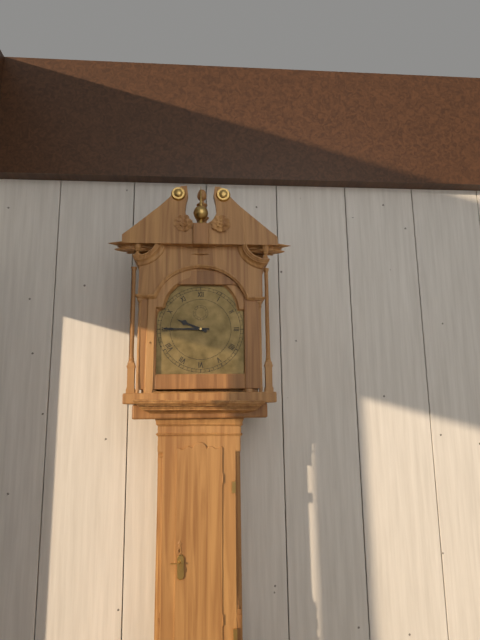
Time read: 9 h 45 min
